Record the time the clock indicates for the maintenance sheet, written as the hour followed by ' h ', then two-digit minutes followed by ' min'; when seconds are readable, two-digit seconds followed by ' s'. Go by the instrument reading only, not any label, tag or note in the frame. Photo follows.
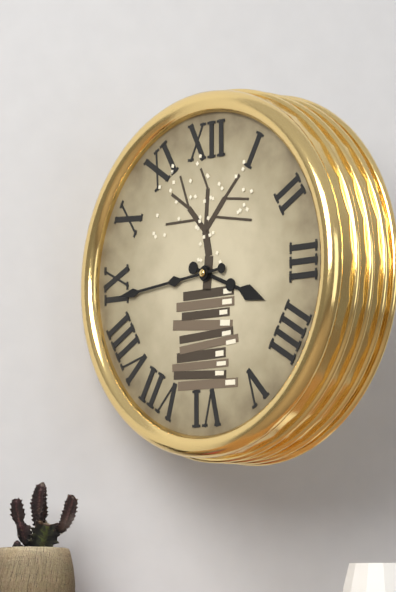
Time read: 3 h 44 min
